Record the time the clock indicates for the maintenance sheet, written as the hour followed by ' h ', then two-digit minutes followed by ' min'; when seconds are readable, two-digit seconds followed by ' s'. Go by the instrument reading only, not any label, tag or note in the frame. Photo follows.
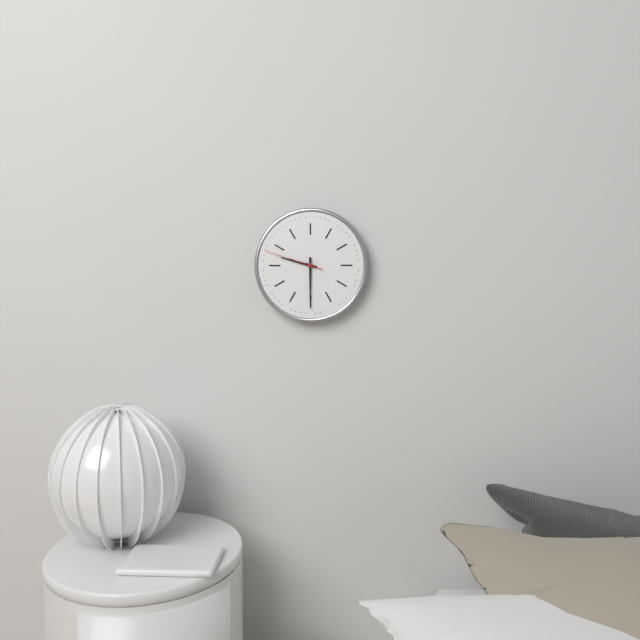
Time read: 9 h 30 min 48 s
